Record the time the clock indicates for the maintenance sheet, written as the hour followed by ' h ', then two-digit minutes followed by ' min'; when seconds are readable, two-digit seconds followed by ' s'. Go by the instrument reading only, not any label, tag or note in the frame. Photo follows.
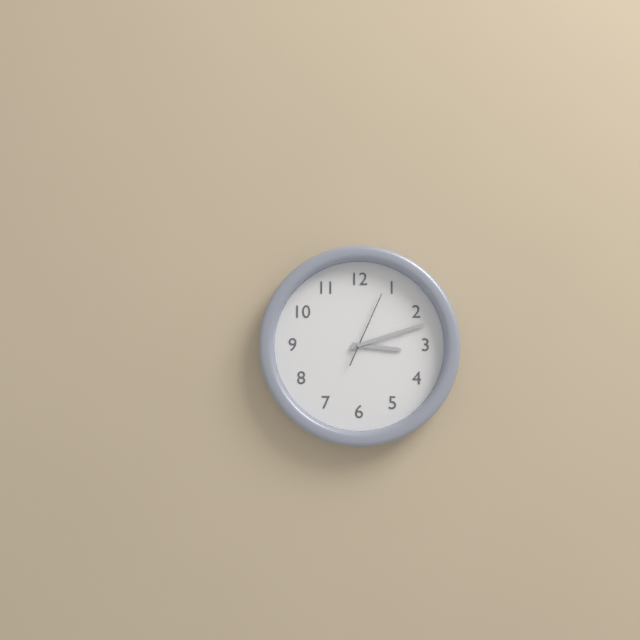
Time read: 3 h 12 min 04 s
